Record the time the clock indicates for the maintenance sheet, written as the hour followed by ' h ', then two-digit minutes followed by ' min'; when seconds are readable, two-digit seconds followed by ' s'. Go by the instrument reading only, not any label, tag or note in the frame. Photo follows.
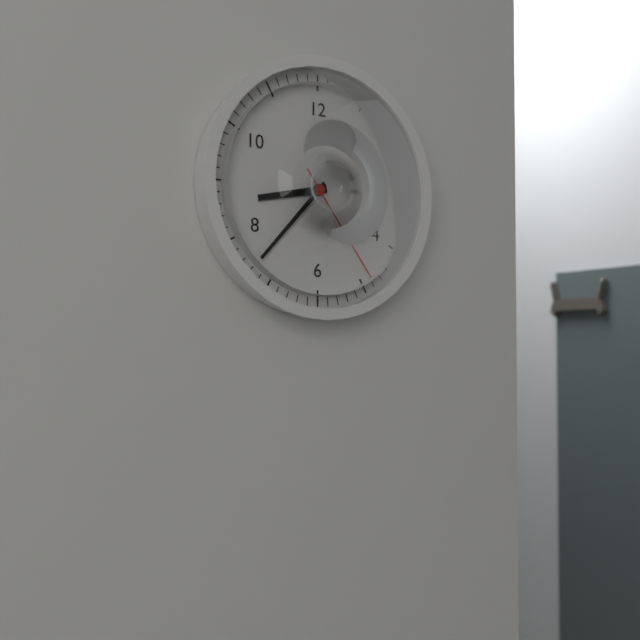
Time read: 8 h 37 min 24 s
